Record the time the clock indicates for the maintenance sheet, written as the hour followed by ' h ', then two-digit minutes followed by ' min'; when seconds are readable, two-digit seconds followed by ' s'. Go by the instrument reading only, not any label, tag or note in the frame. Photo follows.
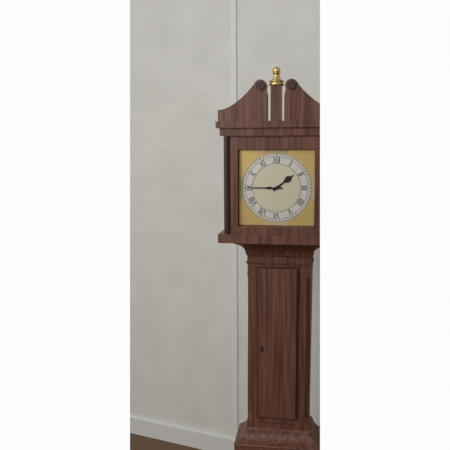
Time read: 1 h 45 min
